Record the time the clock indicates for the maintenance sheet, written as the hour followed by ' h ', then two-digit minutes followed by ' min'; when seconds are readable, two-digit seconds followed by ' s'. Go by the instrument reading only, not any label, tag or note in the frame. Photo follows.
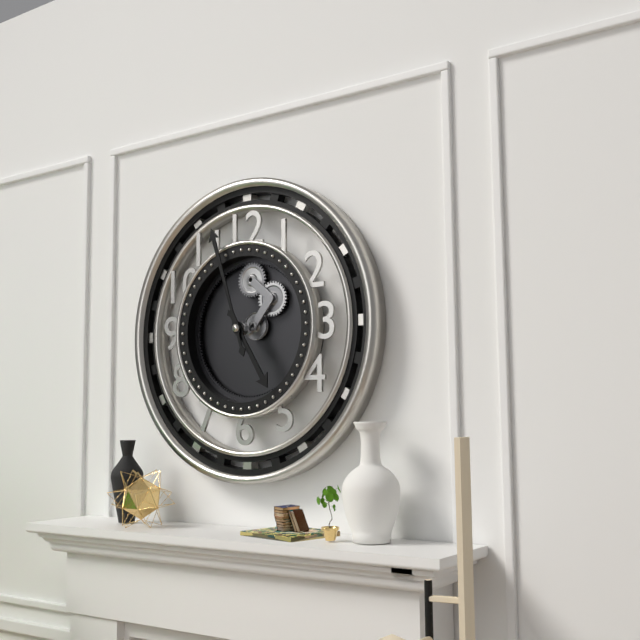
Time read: 4 h 57 min
